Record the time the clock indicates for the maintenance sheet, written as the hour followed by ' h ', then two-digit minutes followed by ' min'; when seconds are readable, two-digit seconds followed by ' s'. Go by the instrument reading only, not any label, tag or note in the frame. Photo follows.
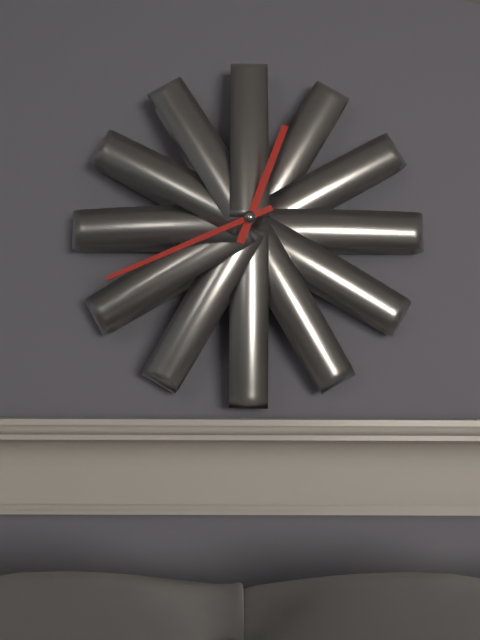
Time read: 12 h 41 min
